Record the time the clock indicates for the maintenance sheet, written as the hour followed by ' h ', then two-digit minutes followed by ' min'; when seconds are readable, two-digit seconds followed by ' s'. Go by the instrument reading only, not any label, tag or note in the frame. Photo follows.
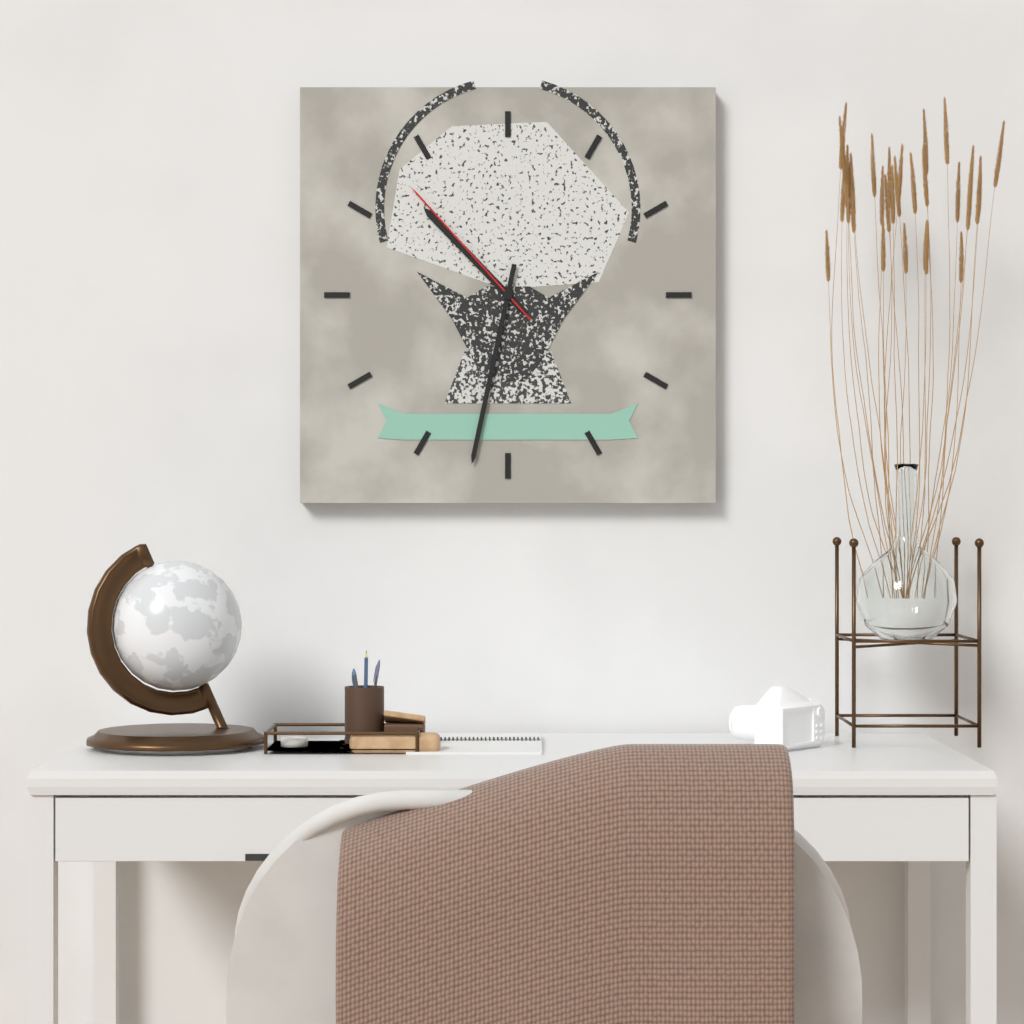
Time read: 10 h 32 min 53 s
